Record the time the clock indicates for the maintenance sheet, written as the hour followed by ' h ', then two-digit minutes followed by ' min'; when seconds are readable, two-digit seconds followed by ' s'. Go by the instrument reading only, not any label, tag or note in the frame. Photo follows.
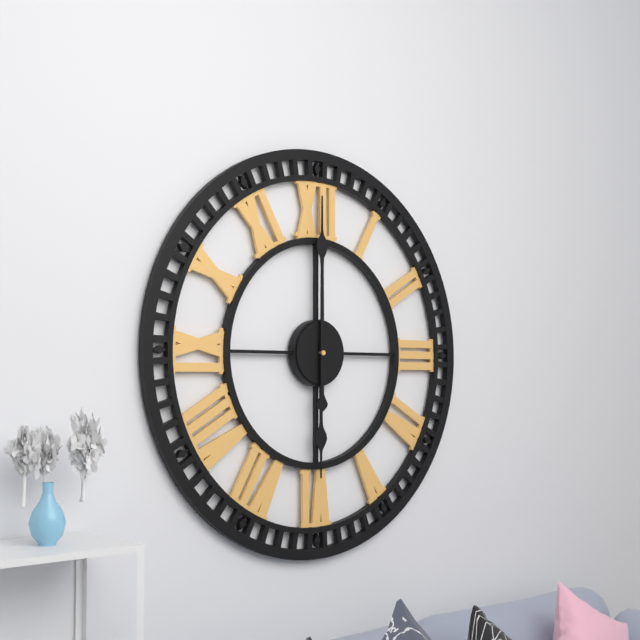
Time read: 6 h 00 min
